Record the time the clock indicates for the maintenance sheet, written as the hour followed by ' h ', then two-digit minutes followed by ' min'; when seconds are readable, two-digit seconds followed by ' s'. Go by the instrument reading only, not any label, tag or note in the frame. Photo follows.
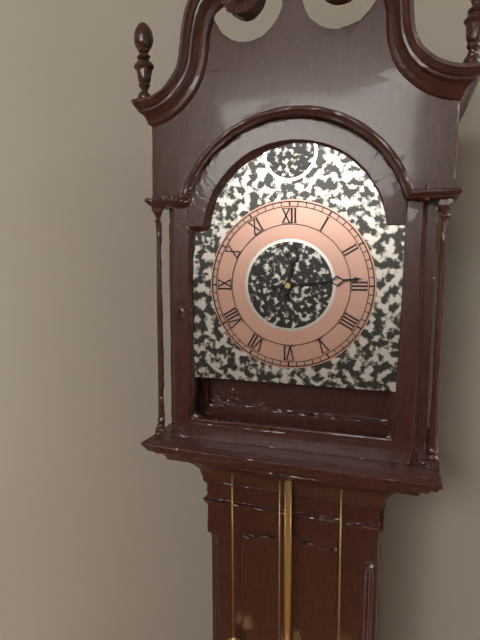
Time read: 12 h 14 min
